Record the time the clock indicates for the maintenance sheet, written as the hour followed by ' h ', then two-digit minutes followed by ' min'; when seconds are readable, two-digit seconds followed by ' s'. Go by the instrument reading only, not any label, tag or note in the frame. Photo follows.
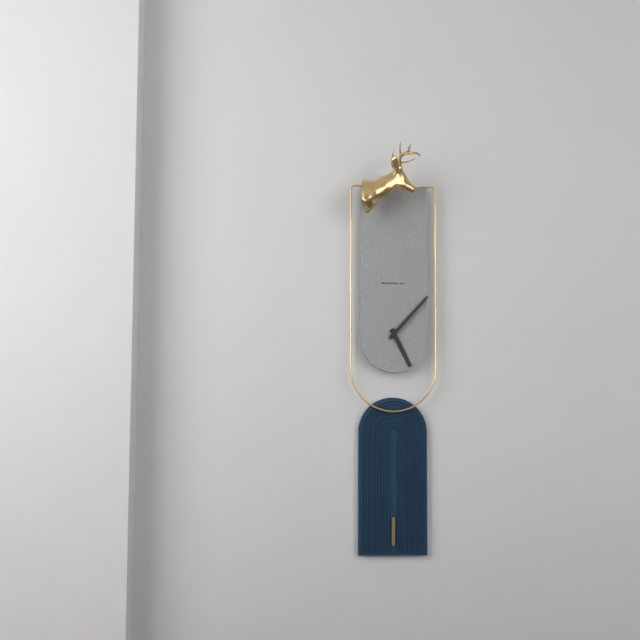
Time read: 5 h 07 min
